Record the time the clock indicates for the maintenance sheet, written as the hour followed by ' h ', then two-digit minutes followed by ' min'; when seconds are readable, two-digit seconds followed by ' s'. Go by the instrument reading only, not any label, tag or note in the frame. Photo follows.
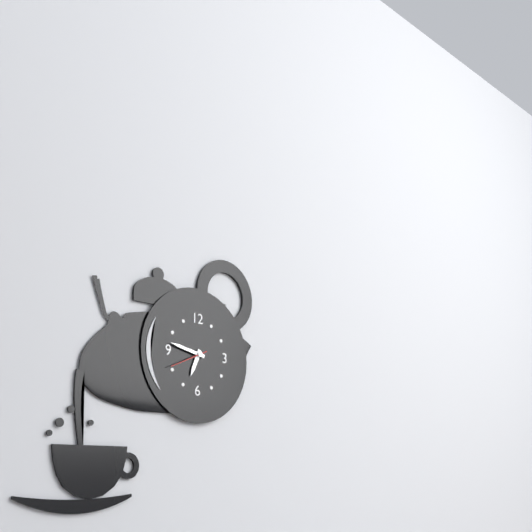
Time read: 6 h 47 min
